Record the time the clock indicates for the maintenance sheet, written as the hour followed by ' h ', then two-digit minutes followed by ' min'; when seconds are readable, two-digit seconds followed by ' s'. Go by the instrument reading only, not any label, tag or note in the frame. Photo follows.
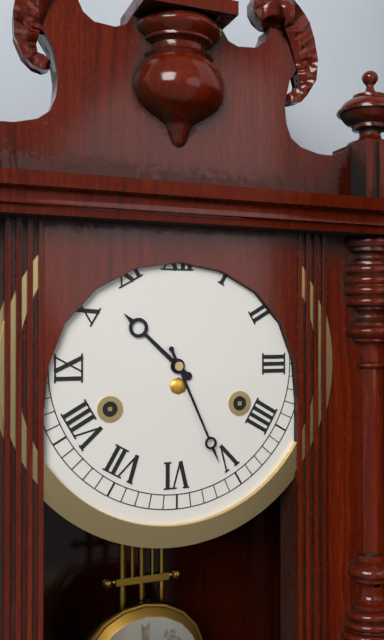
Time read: 10 h 26 min
